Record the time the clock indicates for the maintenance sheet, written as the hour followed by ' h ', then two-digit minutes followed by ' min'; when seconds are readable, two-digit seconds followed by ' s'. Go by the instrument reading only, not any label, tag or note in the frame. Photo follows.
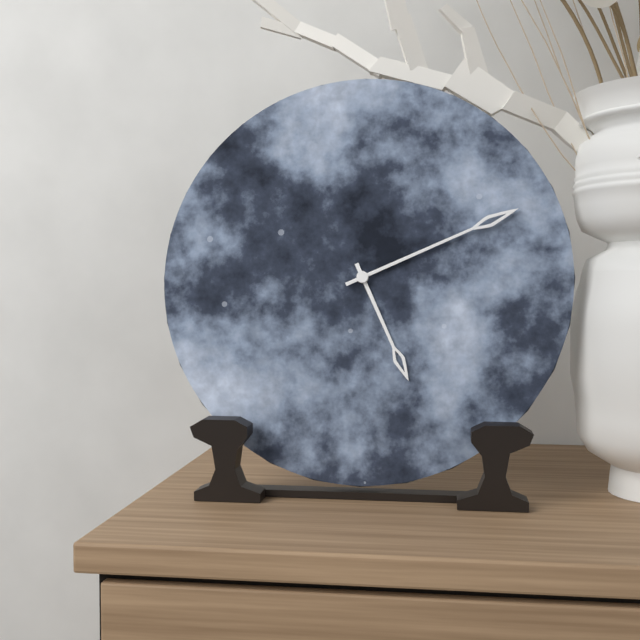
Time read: 5 h 11 min
